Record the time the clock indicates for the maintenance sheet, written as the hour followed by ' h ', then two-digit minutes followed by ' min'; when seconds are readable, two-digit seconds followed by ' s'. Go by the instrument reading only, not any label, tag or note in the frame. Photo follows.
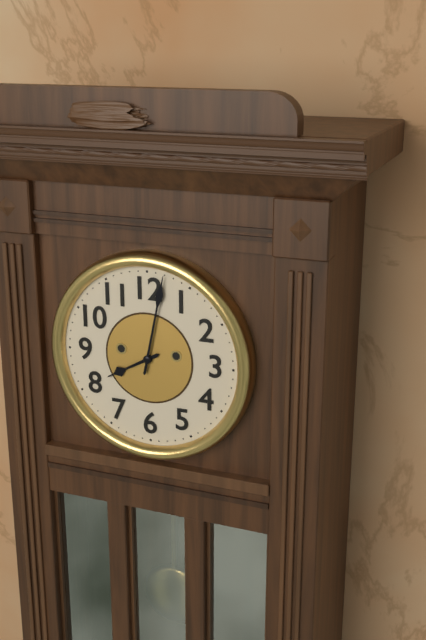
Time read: 8 h 02 min
